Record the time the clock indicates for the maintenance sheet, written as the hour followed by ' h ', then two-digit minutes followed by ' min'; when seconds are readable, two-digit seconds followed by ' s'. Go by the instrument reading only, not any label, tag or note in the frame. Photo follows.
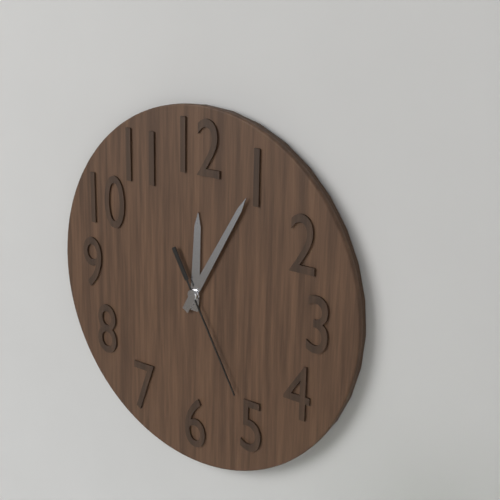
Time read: 12 h 05 min 25 s
